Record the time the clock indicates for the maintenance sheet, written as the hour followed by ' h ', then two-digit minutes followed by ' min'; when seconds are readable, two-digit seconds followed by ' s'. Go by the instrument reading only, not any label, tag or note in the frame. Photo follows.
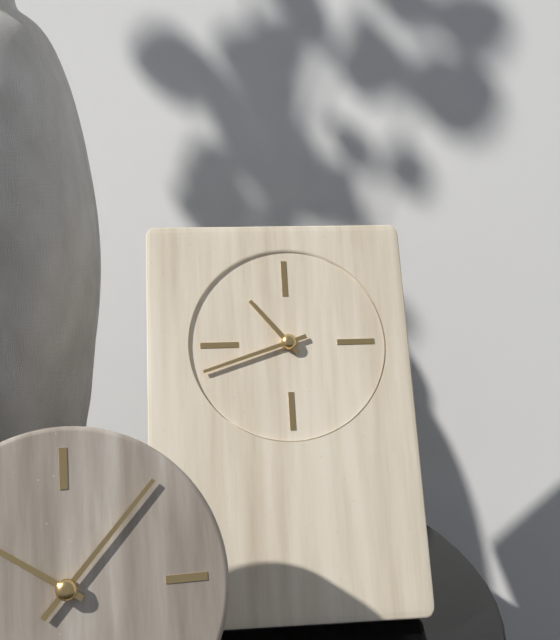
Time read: 10 h 42 min
